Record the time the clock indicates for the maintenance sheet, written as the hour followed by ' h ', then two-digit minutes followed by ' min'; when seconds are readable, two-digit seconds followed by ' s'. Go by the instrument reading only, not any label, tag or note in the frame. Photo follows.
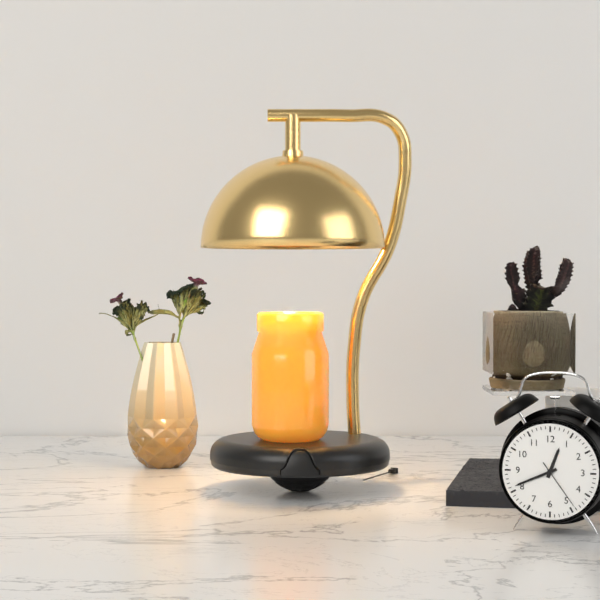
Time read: 12 h 41 min 24 s
